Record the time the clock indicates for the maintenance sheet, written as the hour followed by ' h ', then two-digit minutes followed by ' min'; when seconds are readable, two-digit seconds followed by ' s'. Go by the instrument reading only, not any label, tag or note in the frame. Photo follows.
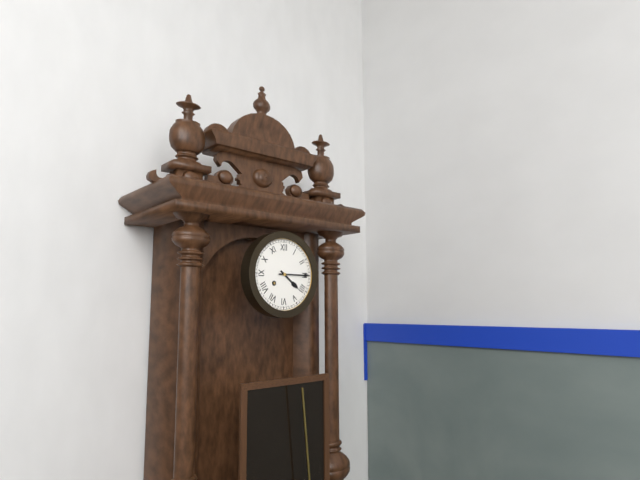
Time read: 4 h 15 min
